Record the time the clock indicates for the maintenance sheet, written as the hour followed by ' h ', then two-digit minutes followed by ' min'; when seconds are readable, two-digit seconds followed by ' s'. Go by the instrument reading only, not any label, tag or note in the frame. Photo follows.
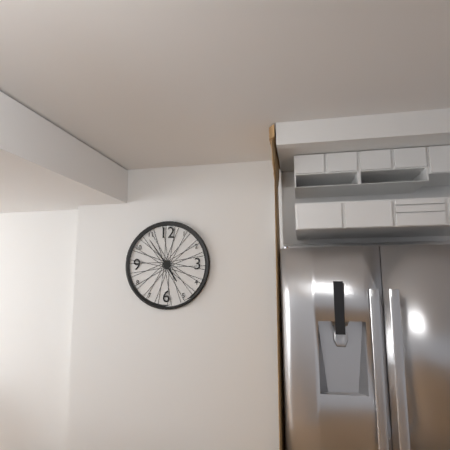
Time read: 4 h 54 min
